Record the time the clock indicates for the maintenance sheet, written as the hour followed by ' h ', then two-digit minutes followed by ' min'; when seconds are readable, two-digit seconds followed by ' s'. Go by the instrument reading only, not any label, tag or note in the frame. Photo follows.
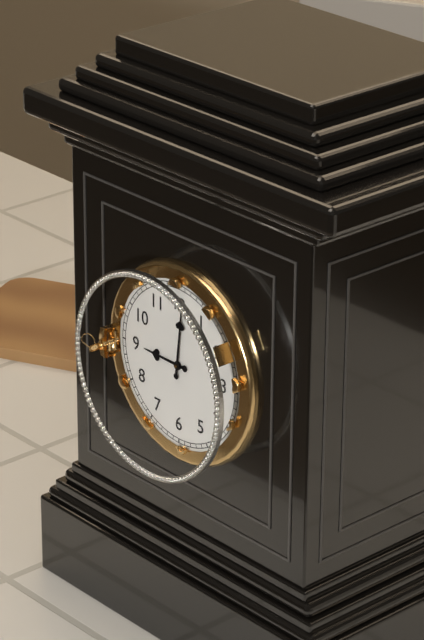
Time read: 9 h 01 min
